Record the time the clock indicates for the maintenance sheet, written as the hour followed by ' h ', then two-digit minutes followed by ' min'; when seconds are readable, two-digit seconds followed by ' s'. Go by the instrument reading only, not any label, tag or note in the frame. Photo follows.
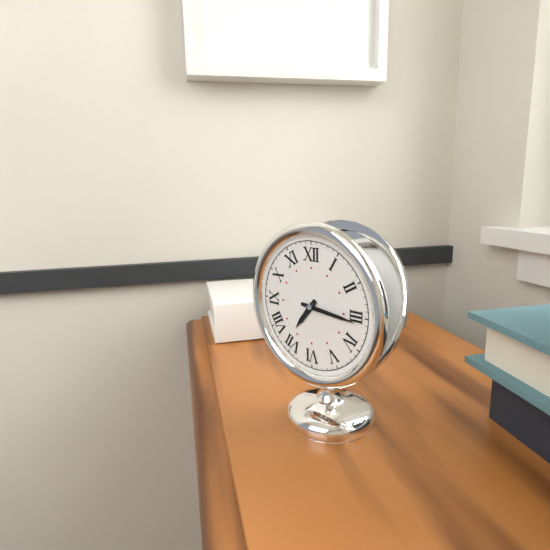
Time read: 7 h 16 min
